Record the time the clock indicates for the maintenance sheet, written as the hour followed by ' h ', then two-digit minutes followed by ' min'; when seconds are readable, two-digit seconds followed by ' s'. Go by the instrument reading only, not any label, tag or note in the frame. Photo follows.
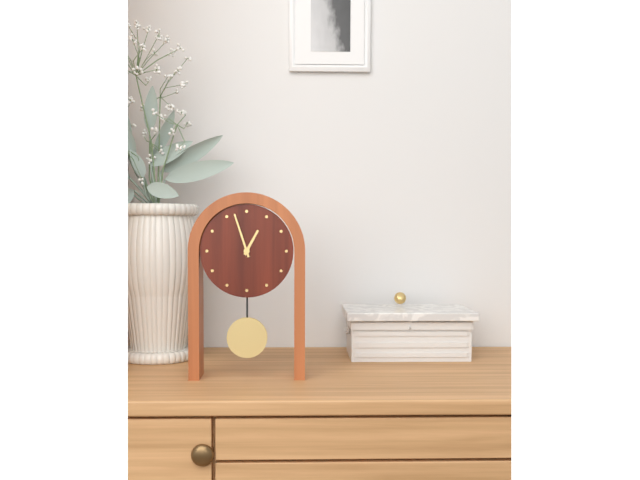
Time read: 12 h 57 min
